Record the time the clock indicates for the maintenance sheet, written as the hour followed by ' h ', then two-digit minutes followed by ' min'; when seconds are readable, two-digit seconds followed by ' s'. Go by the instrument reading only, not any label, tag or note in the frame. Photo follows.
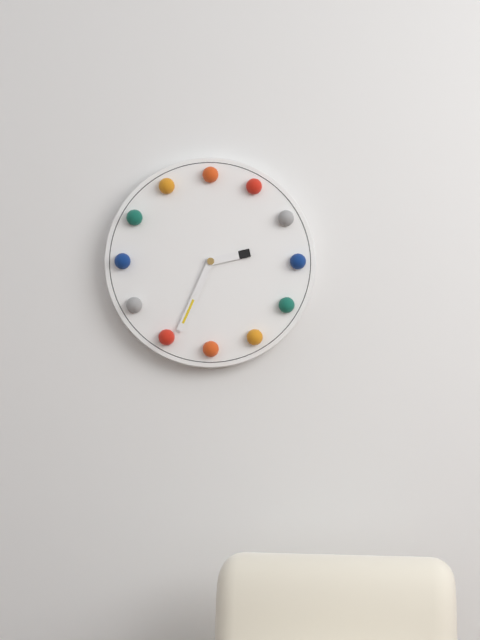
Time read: 2 h 34 min
